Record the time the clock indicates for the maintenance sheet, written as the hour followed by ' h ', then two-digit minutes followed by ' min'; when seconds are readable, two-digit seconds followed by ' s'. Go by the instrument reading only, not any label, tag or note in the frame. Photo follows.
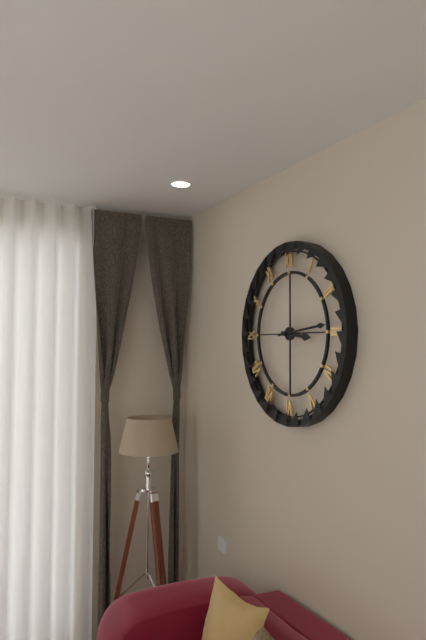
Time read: 3 h 14 min
